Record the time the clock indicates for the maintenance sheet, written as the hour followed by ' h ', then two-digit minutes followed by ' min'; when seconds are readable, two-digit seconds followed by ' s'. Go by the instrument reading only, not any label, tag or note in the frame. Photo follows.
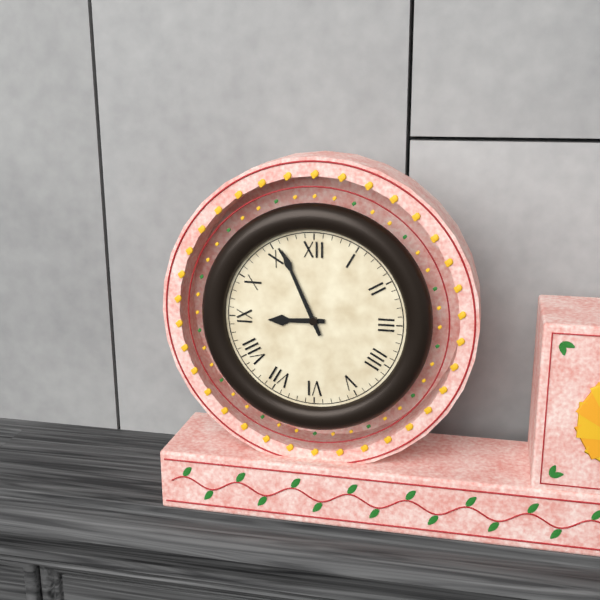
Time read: 8 h 56 min
